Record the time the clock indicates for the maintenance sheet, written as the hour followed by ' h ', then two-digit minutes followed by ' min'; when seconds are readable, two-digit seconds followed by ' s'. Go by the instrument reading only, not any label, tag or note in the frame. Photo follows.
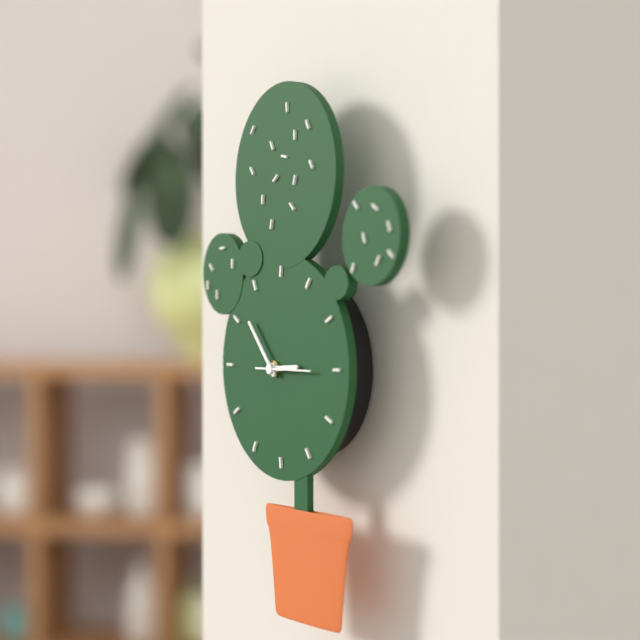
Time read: 2 h 53 min
